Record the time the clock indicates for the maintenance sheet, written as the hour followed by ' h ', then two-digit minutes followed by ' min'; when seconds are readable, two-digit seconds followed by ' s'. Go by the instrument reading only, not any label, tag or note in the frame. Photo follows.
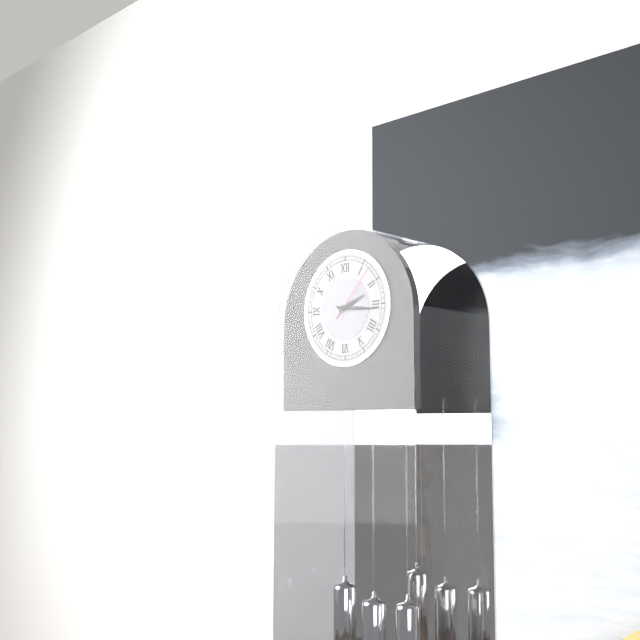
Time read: 2 h 16 min 07 s
